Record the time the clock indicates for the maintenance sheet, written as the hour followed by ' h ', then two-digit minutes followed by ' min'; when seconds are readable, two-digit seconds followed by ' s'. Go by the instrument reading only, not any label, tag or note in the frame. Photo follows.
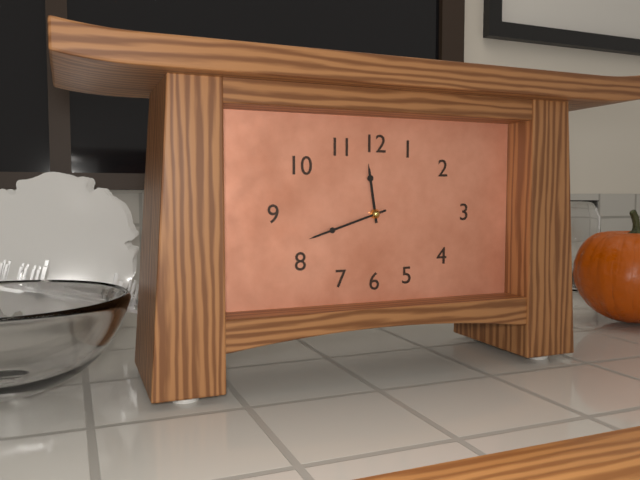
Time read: 11 h 42 min
